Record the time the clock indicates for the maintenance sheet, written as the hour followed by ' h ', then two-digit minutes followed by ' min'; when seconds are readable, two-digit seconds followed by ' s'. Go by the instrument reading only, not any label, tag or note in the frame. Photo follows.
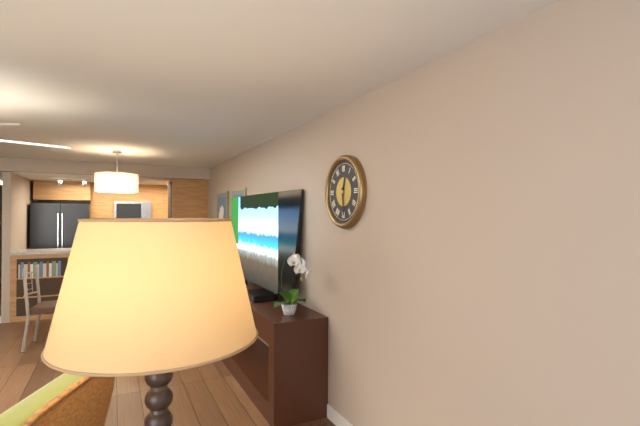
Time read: 12 h 29 min
